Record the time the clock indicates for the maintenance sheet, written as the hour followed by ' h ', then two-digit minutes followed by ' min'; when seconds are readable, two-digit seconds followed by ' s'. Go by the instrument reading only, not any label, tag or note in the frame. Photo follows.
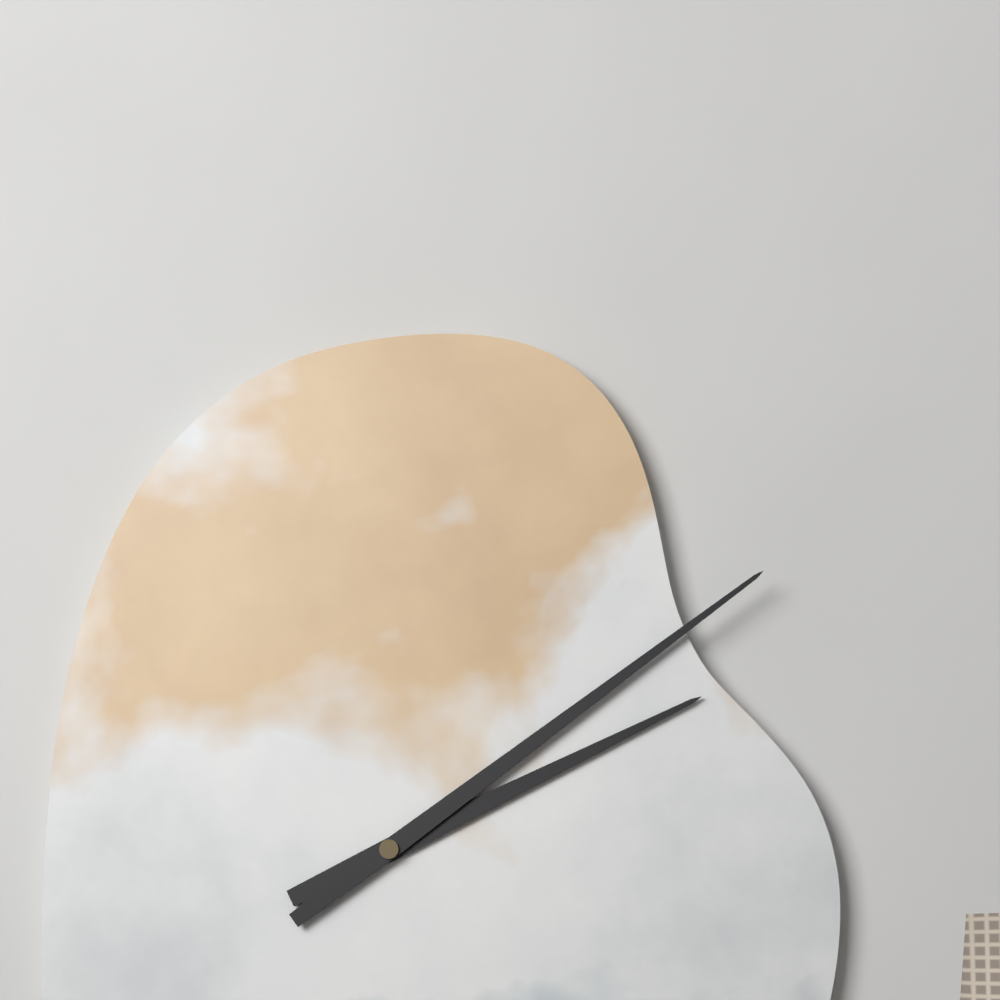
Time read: 2 h 09 min
